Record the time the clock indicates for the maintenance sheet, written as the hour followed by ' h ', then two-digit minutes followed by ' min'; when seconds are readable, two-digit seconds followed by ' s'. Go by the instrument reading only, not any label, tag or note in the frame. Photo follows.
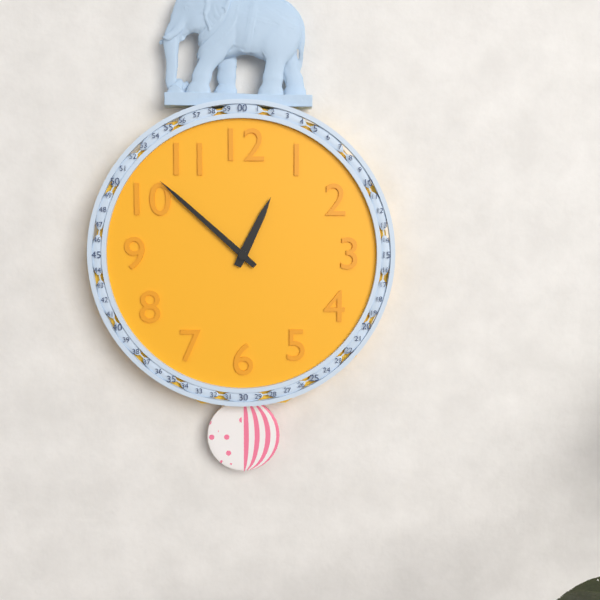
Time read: 12 h 52 min
